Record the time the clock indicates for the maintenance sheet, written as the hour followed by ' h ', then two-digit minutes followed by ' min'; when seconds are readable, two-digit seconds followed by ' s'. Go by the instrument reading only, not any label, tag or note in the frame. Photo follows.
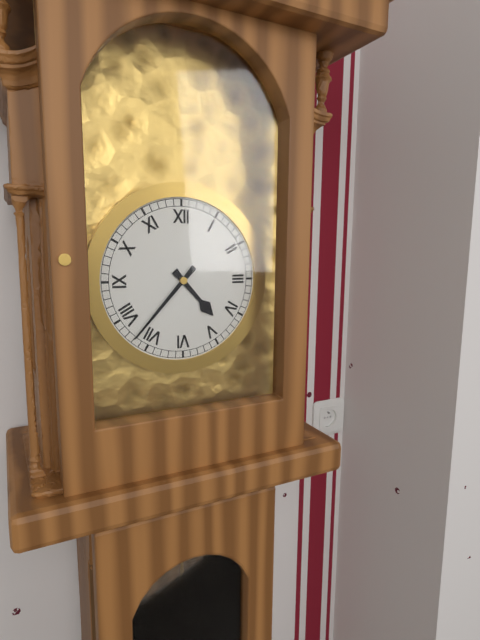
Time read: 4 h 37 min
